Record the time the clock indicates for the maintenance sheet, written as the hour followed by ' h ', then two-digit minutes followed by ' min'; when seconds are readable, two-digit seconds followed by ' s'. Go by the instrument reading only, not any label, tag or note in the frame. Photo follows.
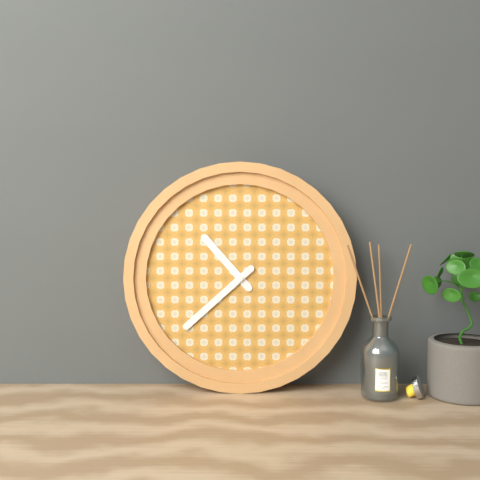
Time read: 10 h 38 min
